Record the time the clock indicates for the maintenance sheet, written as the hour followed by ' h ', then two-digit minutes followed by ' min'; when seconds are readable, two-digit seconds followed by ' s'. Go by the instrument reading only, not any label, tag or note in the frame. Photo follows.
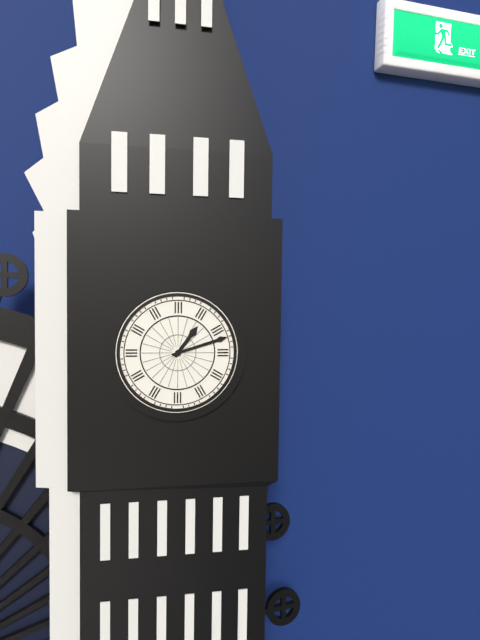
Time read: 1 h 12 min
